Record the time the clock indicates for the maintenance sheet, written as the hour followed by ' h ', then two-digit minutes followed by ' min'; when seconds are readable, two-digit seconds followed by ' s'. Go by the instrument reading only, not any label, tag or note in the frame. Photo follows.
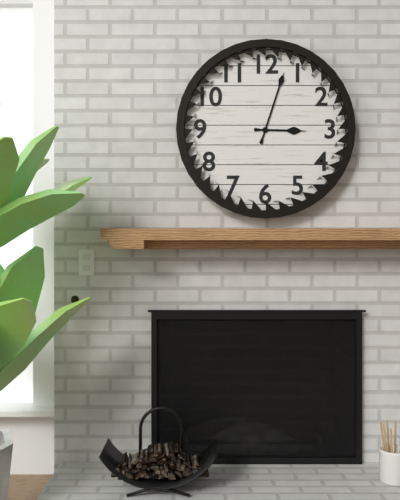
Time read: 3 h 03 min
